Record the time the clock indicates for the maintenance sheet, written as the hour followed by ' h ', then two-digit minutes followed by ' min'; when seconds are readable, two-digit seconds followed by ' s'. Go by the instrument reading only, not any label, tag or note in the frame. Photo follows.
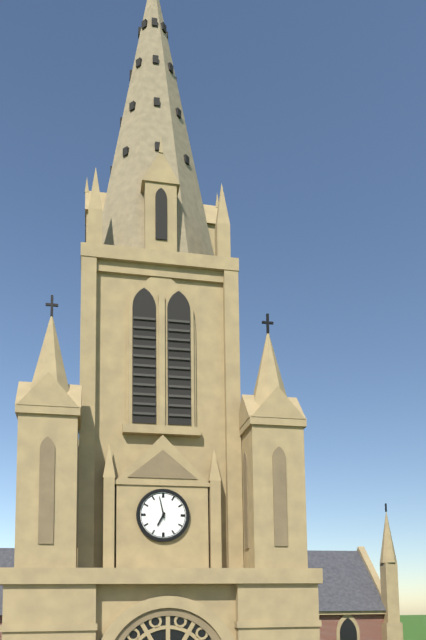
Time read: 6 h 58 min
